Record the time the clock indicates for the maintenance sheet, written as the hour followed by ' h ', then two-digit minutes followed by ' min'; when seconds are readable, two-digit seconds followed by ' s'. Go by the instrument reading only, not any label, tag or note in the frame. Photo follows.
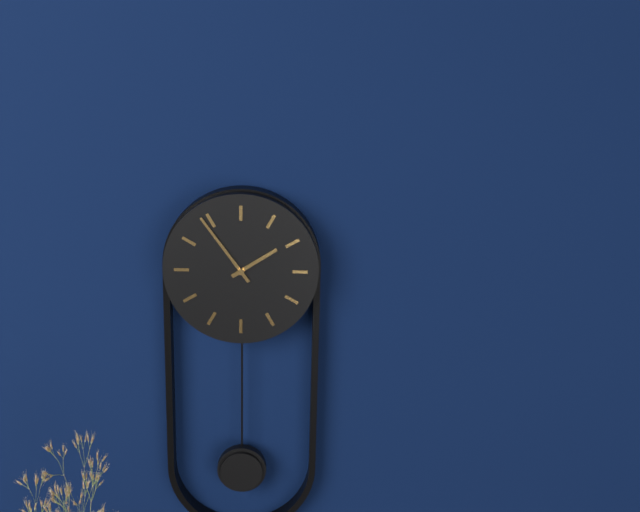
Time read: 1 h 54 min
